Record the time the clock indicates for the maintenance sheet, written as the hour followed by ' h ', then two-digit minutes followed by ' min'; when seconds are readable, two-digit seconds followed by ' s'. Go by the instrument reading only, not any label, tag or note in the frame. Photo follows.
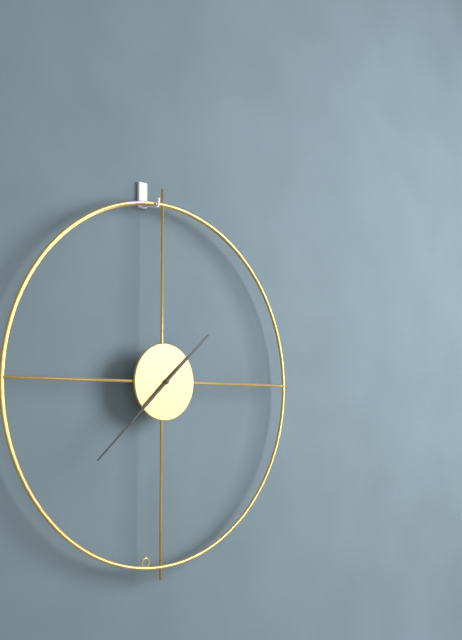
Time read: 1 h 38 min
